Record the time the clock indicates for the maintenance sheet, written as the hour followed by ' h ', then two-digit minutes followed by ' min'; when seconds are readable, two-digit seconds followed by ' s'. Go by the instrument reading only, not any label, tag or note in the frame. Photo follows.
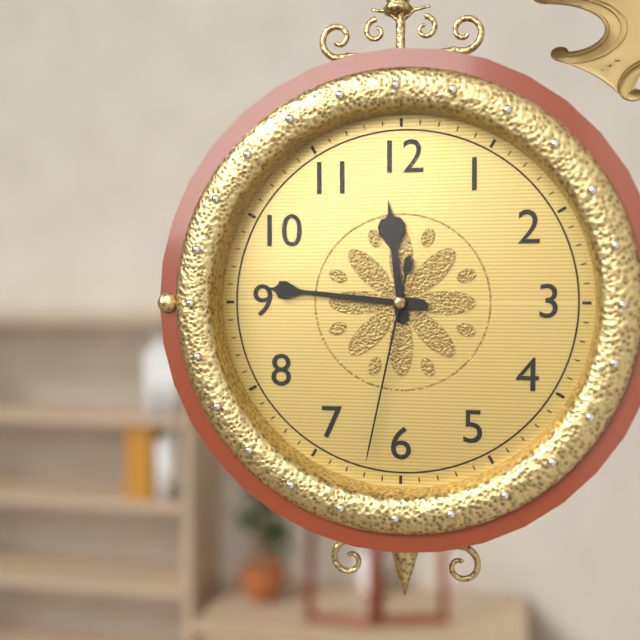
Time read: 11 h 46 min 32 s
